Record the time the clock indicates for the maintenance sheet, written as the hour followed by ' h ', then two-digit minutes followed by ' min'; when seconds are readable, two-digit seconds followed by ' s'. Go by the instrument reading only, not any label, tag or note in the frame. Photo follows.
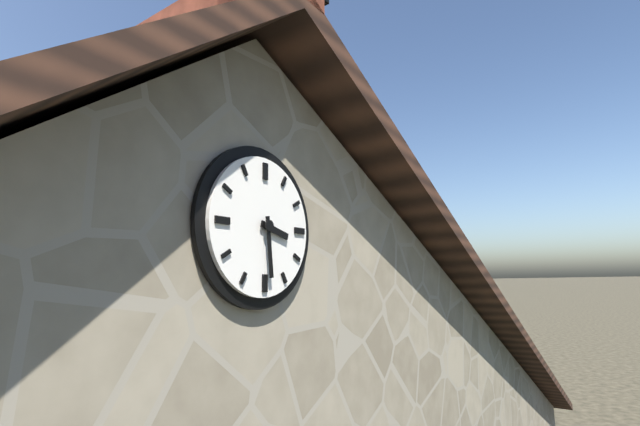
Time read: 3 h 29 min
